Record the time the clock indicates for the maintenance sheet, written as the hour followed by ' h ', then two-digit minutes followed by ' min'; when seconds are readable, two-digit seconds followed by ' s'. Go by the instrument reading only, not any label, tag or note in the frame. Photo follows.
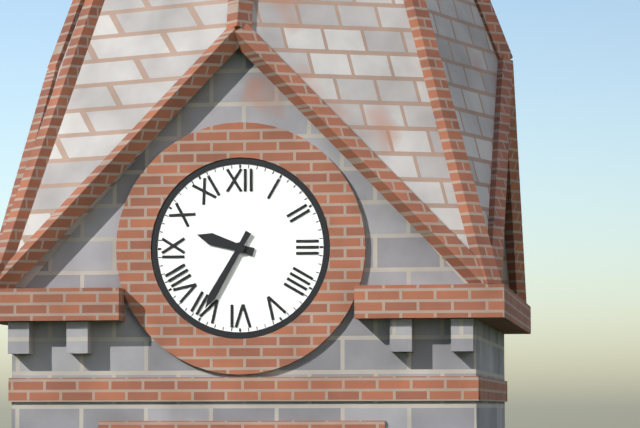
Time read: 9 h 35 min
